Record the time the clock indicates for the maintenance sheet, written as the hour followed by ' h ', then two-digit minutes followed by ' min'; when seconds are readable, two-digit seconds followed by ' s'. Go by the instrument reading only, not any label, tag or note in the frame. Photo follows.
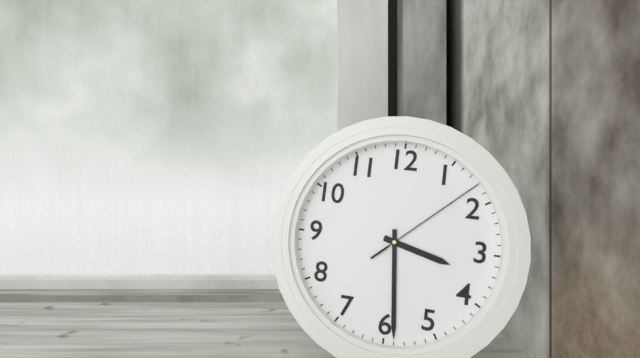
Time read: 3 h 29 min 08 s
